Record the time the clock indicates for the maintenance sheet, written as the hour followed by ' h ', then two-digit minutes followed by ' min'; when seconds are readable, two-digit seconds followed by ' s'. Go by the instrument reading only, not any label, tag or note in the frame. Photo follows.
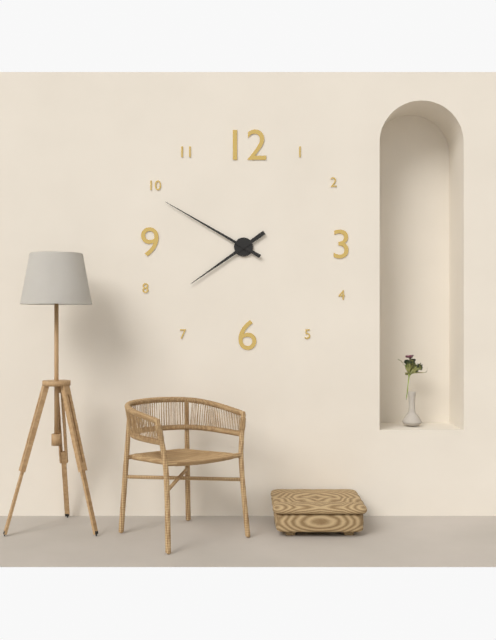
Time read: 7 h 50 min
